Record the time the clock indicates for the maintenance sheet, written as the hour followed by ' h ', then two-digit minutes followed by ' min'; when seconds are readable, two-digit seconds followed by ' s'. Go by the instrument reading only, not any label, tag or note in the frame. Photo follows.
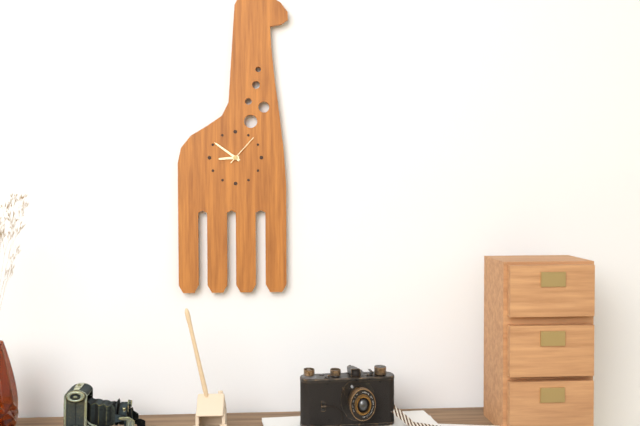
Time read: 8 h 51 min
